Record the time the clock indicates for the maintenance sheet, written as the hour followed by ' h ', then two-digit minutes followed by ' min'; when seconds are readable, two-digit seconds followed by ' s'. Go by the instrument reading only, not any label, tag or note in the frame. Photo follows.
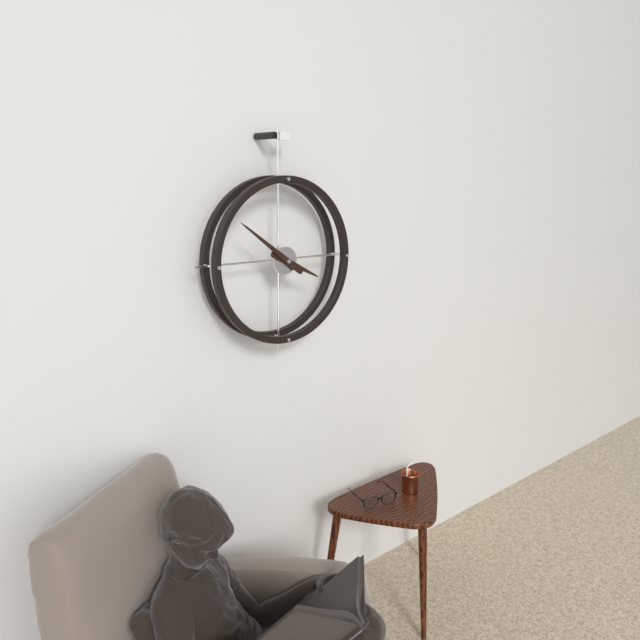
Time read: 3 h 51 min
